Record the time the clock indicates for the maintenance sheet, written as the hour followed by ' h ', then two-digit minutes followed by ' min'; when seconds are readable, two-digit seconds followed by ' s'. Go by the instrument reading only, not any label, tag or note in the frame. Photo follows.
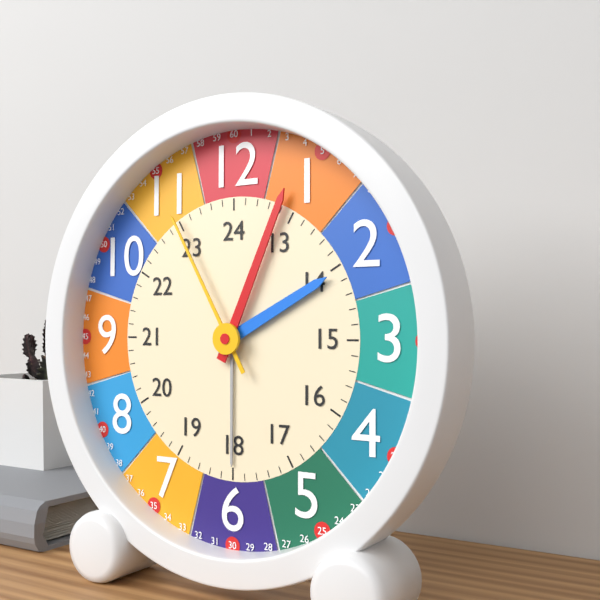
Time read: 2 h 04 min 55 s
